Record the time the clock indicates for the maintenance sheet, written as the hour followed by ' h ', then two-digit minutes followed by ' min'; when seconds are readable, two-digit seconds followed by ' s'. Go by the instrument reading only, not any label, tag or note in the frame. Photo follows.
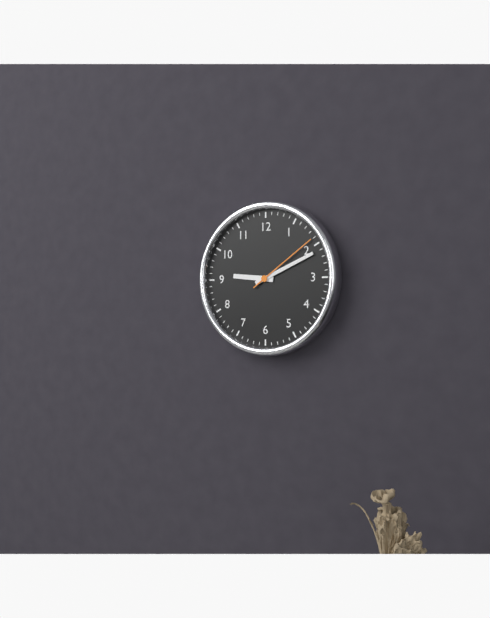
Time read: 9 h 11 min 09 s
